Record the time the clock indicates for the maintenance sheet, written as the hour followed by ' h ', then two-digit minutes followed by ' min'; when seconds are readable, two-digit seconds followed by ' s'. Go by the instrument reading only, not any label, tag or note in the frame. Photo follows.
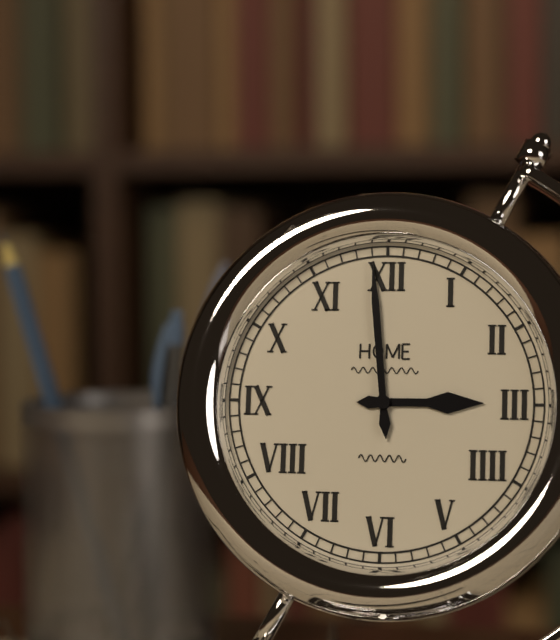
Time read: 2 h 59 min
